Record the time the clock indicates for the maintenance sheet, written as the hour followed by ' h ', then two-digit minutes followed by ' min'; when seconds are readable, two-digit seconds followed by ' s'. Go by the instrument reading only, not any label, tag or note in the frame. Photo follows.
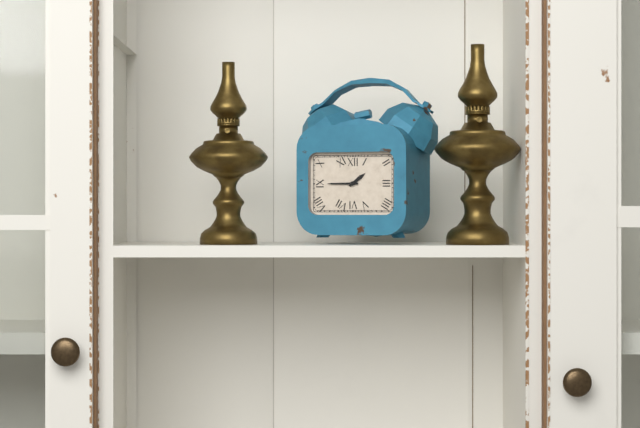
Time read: 1 h 45 min
